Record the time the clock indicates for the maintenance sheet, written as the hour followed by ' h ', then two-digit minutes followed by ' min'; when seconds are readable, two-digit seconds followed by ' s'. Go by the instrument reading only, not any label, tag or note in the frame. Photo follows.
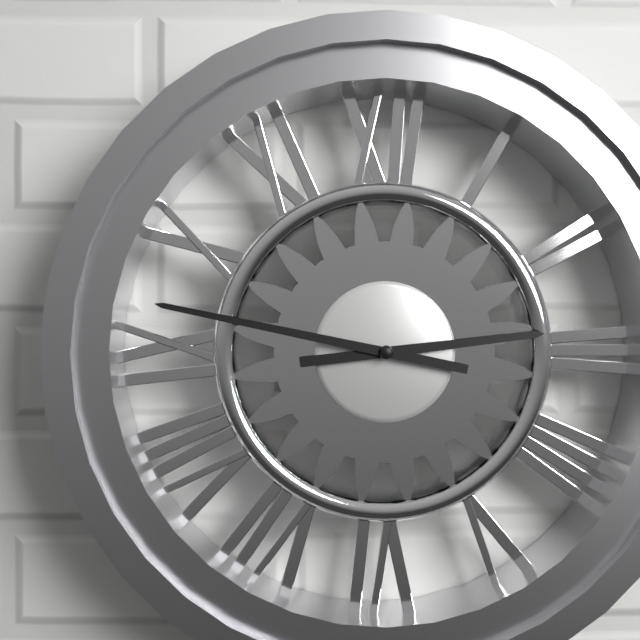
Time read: 2 h 47 min
